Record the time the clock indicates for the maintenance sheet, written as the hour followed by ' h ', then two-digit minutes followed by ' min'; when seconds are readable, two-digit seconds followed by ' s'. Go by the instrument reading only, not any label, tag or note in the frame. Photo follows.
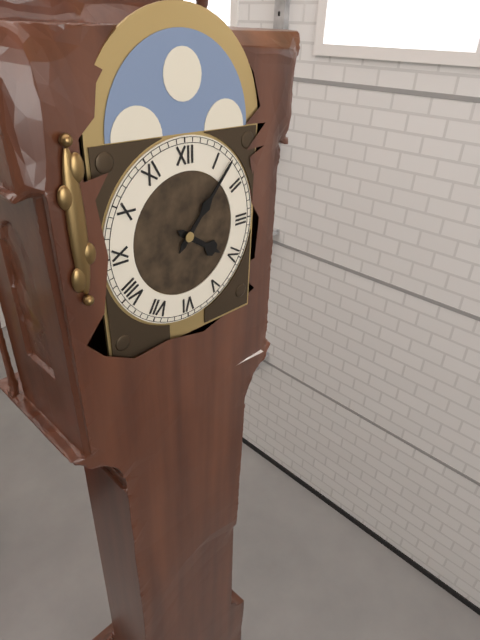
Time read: 4 h 07 min
